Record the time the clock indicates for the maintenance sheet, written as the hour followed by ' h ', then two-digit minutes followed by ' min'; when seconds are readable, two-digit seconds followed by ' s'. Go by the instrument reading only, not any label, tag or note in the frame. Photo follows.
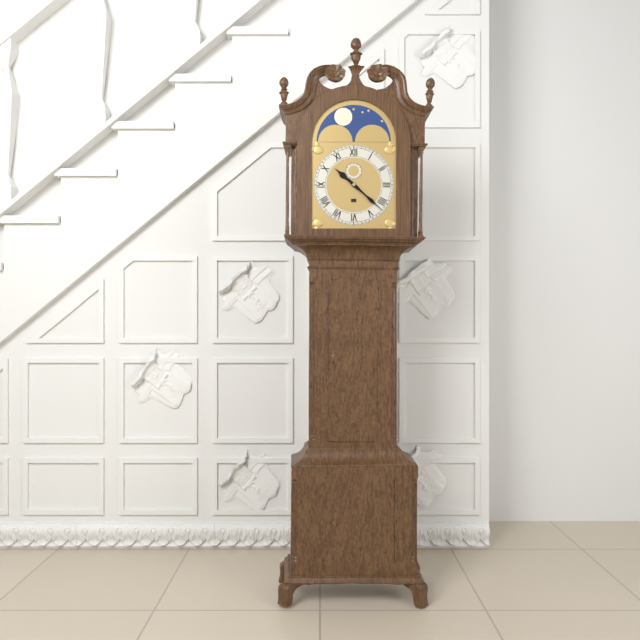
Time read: 10 h 22 min
